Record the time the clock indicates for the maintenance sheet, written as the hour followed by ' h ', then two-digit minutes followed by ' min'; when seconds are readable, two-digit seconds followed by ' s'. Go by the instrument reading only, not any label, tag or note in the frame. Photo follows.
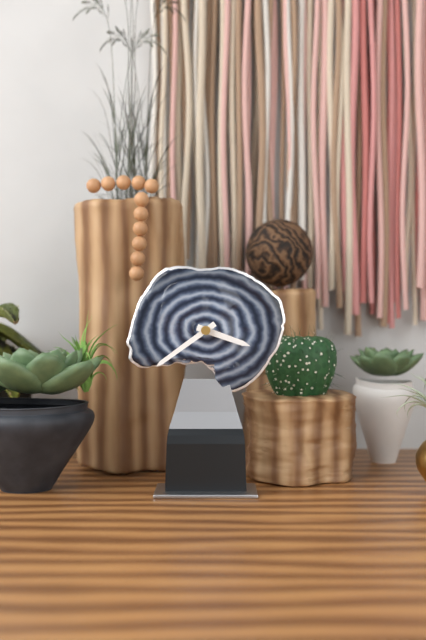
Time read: 3 h 39 min
